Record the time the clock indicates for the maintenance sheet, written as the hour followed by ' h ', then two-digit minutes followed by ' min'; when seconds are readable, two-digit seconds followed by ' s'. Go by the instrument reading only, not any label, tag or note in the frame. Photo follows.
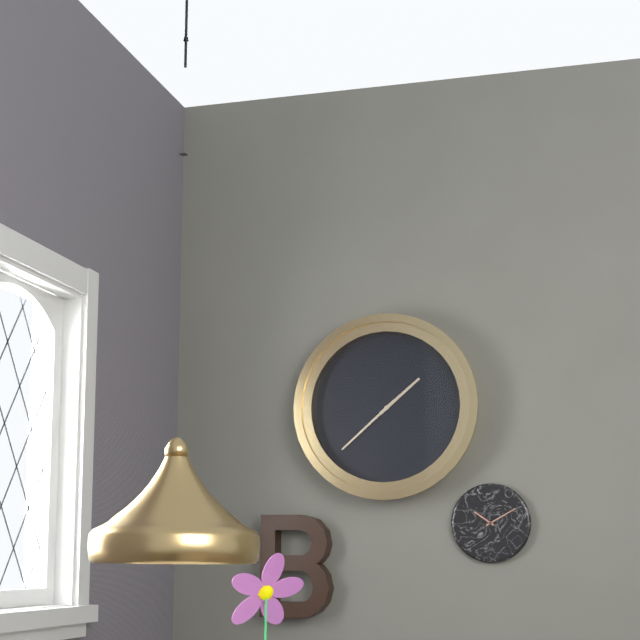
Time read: 1 h 38 min
